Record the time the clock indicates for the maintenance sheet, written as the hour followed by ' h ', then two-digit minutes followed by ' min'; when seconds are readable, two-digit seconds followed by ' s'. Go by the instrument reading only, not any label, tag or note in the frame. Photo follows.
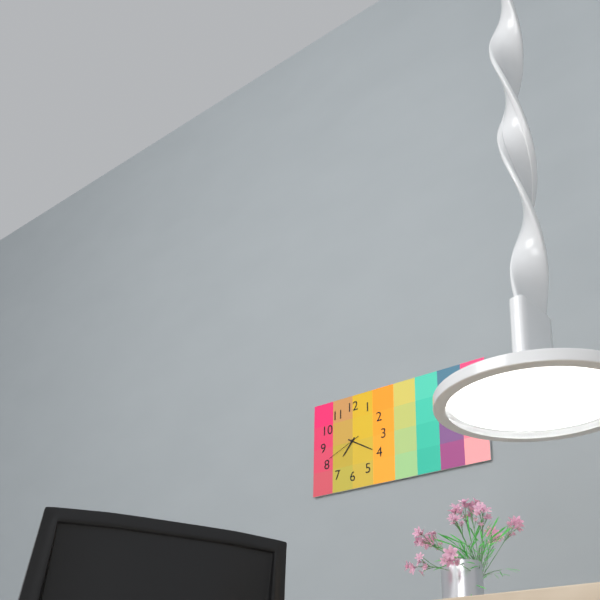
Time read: 7 h 20 min
